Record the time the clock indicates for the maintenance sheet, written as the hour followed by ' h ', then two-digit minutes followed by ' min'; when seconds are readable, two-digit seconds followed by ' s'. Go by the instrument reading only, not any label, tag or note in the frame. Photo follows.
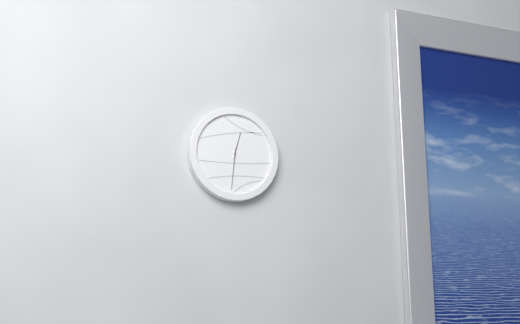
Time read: 12 h 31 min
